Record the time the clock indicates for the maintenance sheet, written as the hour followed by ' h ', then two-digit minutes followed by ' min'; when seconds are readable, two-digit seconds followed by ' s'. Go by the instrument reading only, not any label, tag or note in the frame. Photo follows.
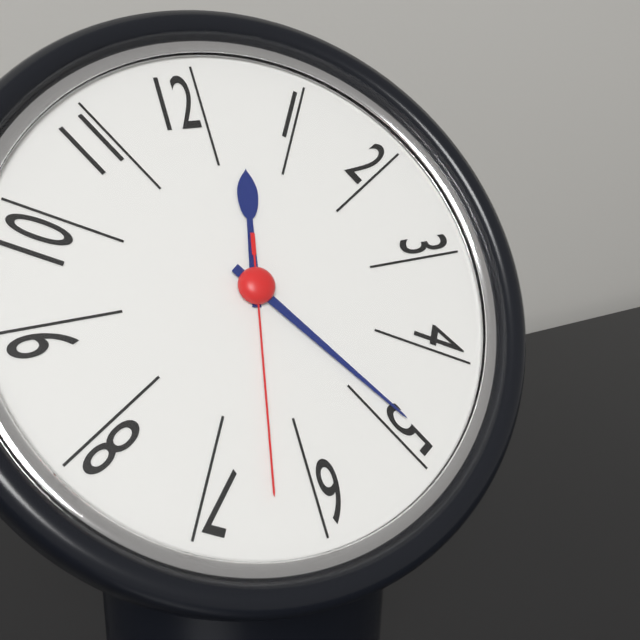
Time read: 12 h 24 min 32 s
